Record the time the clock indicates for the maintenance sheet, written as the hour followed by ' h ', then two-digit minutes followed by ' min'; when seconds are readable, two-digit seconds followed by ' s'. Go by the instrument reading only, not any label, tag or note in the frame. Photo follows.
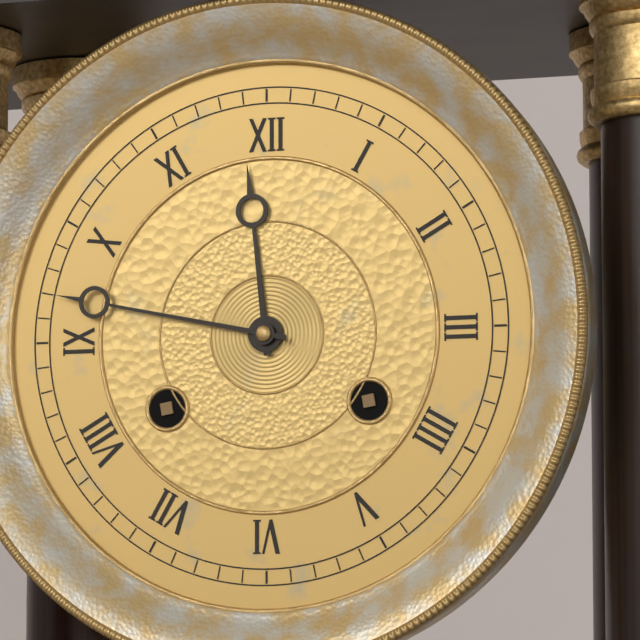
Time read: 11 h 47 min
